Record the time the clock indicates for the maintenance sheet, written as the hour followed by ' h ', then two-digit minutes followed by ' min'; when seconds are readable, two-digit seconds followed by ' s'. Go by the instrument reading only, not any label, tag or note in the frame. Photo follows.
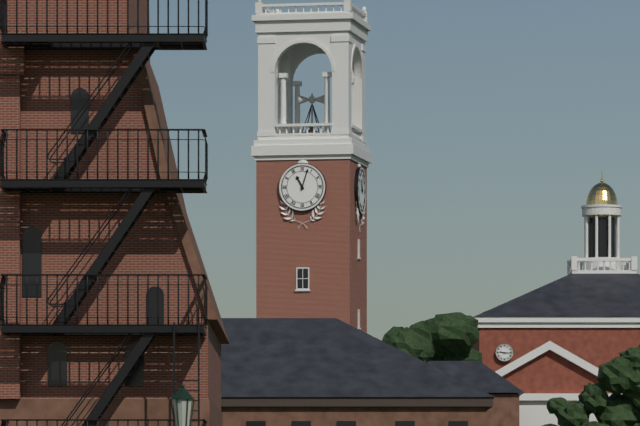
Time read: 11 h 03 min
